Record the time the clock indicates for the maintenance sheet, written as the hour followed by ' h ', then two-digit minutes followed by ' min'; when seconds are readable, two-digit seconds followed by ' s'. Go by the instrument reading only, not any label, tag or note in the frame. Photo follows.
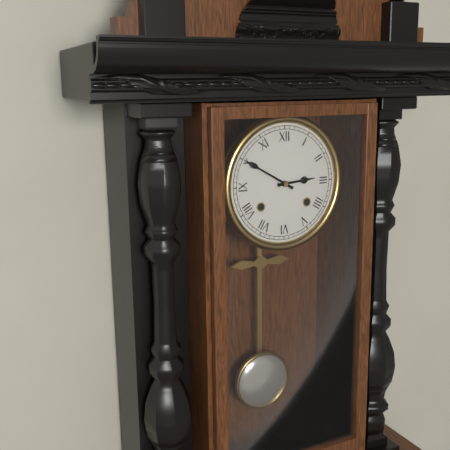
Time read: 2 h 50 min
